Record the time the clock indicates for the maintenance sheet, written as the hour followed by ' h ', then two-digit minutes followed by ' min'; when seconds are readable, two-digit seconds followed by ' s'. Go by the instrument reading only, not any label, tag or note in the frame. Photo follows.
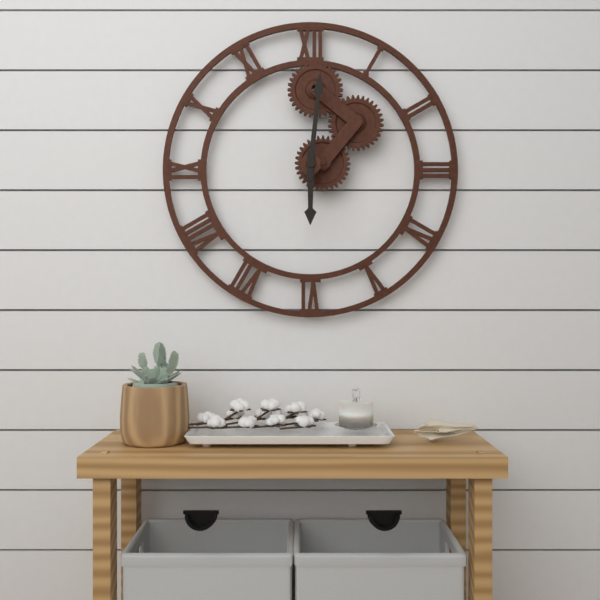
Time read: 6 h 01 min
